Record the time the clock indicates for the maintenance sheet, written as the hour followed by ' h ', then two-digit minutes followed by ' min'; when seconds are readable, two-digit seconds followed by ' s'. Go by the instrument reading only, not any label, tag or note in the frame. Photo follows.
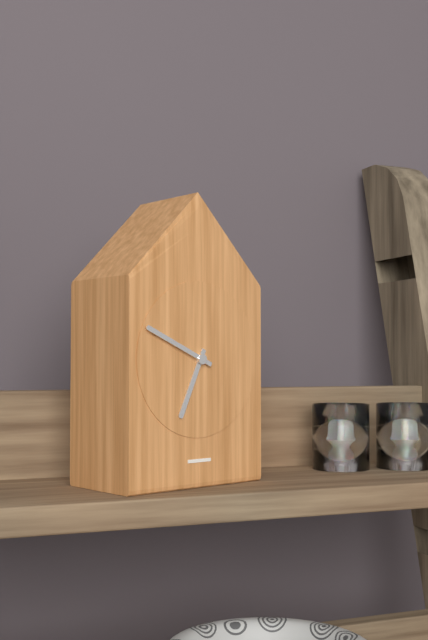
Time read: 6 h 49 min
